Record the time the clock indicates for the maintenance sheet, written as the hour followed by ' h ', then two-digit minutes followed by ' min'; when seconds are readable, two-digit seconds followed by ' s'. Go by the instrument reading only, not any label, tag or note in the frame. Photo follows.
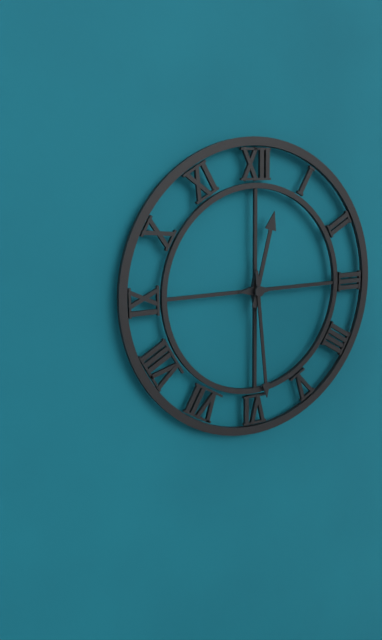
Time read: 12 h 29 min
